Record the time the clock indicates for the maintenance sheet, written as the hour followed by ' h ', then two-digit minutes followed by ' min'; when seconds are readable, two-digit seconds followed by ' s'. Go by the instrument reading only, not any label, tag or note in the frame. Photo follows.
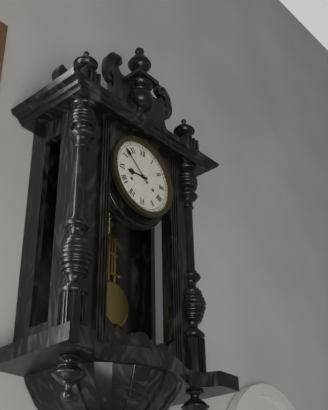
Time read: 8 h 52 min
